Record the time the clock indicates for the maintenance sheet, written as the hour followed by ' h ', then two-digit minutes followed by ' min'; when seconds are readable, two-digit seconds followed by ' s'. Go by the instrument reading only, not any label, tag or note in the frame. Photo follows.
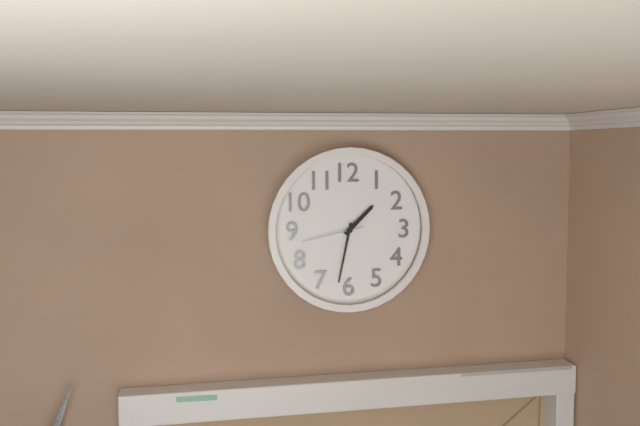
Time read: 1 h 32 min 43 s
